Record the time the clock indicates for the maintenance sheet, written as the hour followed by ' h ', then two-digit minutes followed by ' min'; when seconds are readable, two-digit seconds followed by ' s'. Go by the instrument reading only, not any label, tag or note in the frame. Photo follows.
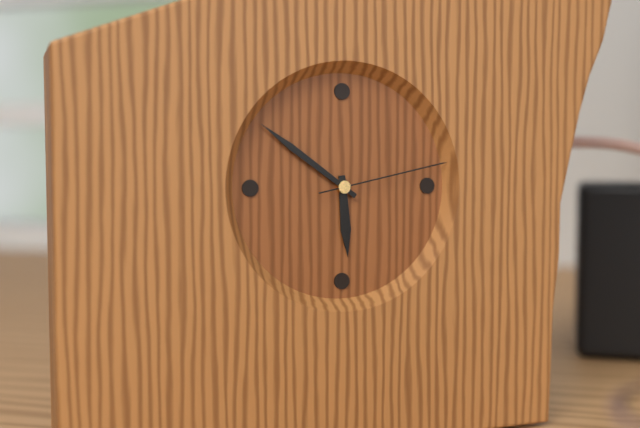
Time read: 5 h 51 min 13 s
